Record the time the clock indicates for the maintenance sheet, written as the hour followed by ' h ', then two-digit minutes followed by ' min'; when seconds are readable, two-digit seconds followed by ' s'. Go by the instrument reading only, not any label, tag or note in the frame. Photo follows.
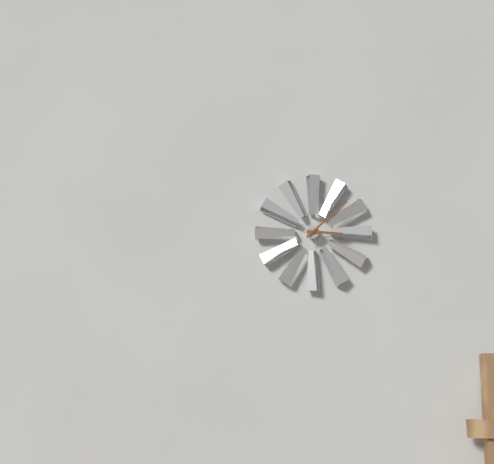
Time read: 3 h 08 min
